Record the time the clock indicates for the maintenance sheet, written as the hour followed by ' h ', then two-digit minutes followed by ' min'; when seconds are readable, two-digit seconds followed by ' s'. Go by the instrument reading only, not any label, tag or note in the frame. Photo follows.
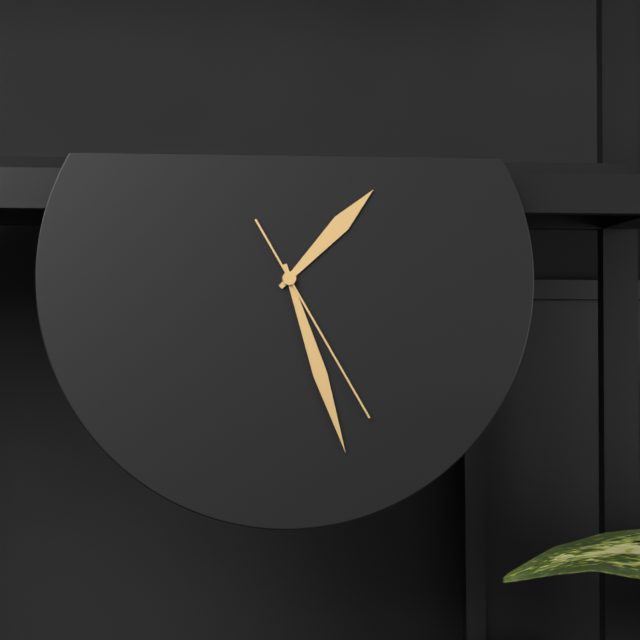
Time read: 1 h 27 min 25 s
